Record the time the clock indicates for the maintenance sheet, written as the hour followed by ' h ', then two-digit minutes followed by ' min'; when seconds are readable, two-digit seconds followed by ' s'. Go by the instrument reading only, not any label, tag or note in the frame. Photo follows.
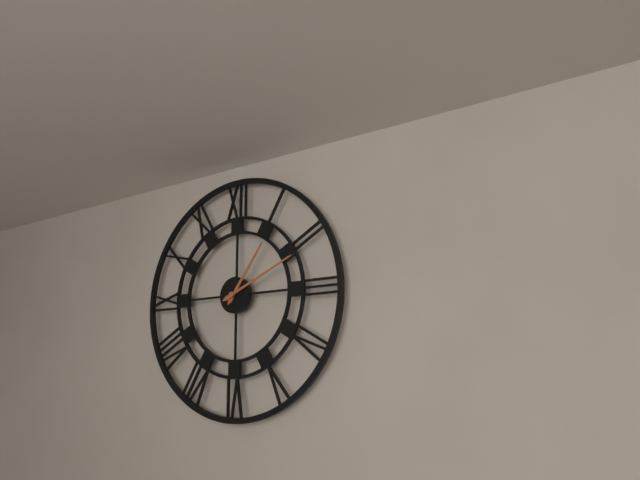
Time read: 1 h 11 min
